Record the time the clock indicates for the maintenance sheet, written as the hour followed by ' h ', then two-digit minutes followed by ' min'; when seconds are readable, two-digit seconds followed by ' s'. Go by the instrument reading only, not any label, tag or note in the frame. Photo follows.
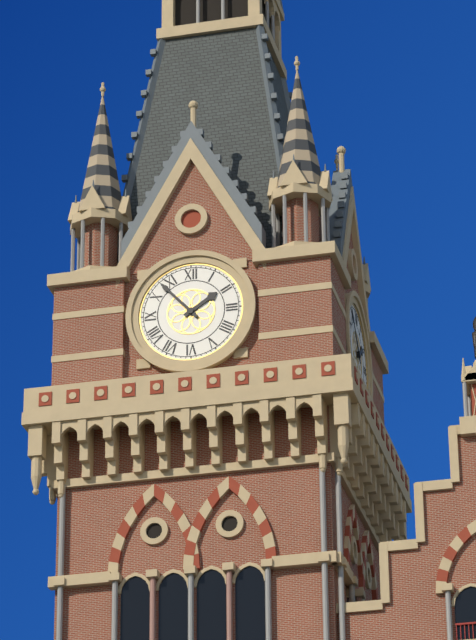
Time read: 1 h 53 min
